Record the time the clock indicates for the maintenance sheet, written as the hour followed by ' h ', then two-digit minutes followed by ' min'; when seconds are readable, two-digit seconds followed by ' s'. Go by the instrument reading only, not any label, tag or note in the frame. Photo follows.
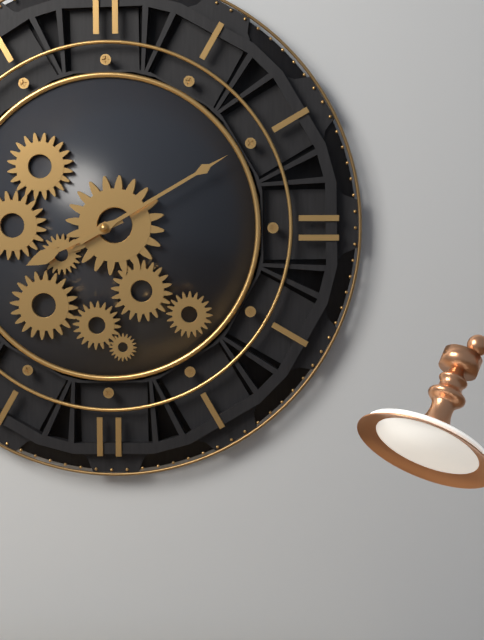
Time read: 8 h 10 min
